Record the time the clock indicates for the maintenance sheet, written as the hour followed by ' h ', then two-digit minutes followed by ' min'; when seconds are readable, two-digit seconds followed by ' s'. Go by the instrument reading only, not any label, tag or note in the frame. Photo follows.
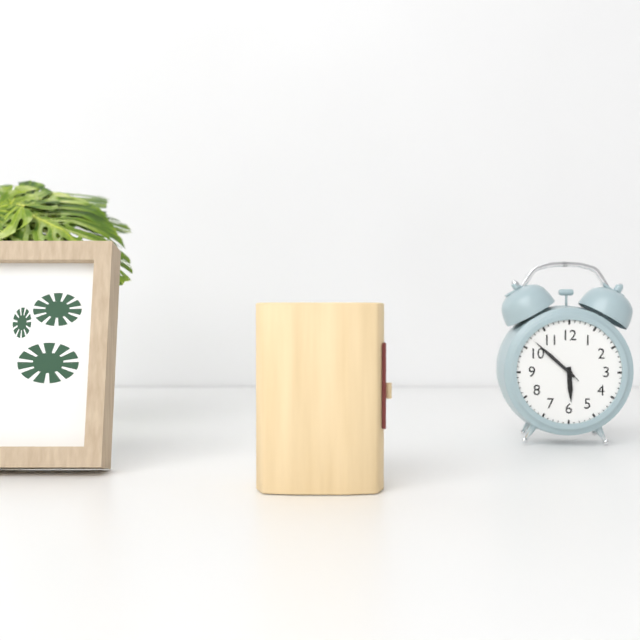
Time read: 5 h 52 min 52 s
